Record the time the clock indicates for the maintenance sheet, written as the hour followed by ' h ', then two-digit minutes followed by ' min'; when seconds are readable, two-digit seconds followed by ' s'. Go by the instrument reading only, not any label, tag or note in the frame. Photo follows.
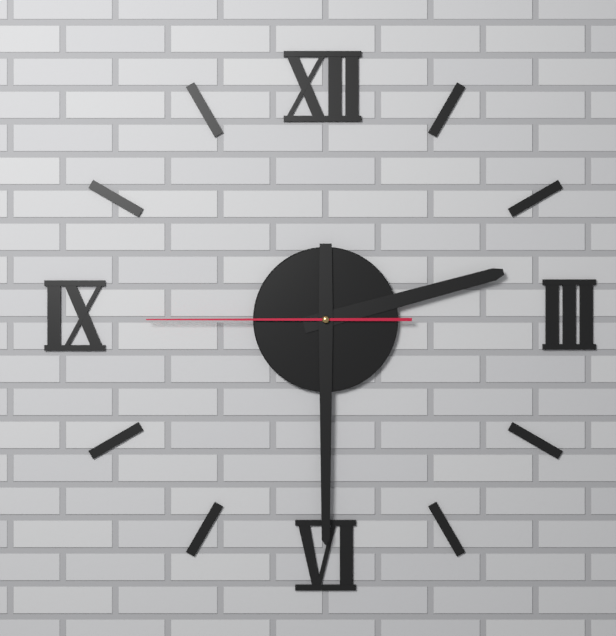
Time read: 2 h 30 min 45 s
